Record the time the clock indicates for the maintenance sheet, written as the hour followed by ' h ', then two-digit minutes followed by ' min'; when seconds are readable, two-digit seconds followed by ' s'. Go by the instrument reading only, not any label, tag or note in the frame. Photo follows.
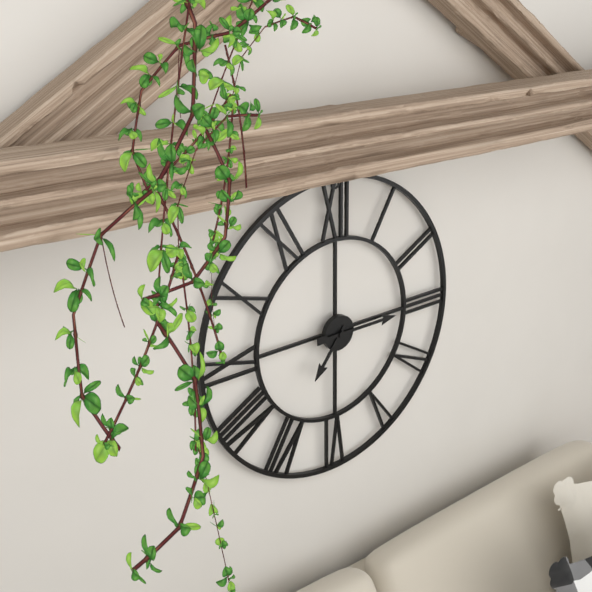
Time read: 7 h 15 min
